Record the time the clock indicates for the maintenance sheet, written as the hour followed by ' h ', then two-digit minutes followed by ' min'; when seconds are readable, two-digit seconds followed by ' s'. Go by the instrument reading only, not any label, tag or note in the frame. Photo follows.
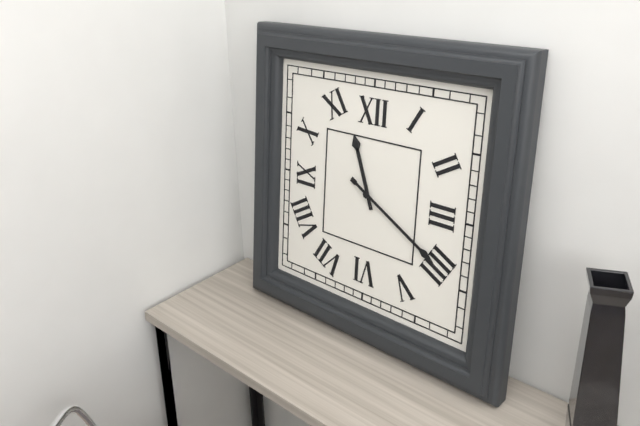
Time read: 11 h 20 min
